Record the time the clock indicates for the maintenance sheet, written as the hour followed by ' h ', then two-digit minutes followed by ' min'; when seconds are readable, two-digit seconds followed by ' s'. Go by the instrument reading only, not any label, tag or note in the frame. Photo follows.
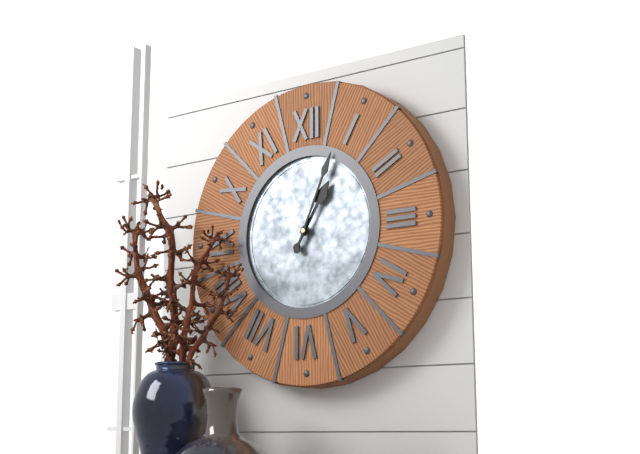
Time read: 1 h 04 min
